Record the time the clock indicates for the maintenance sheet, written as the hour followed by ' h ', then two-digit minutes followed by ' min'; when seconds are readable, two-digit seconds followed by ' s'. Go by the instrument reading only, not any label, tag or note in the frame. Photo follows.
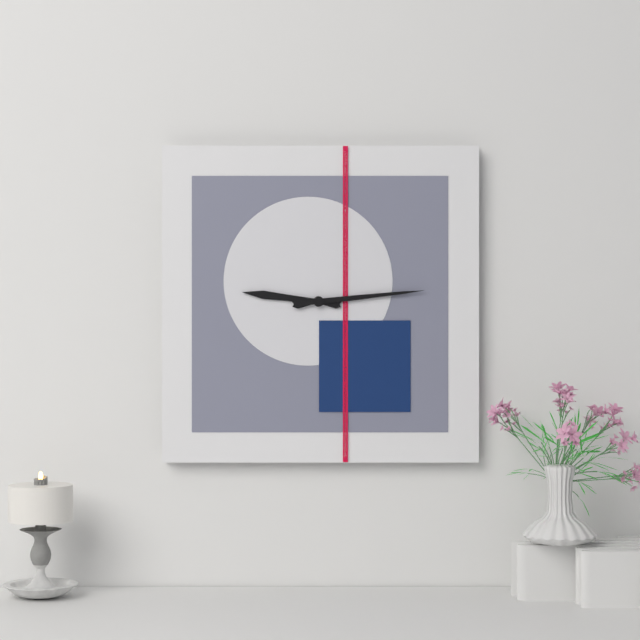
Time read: 9 h 14 min
